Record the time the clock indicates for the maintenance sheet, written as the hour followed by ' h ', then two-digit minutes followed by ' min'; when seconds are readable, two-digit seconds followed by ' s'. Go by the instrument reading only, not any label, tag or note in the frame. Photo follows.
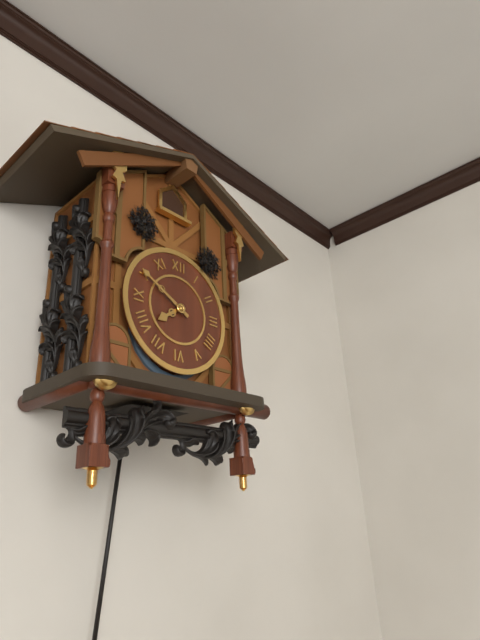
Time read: 7 h 50 min
